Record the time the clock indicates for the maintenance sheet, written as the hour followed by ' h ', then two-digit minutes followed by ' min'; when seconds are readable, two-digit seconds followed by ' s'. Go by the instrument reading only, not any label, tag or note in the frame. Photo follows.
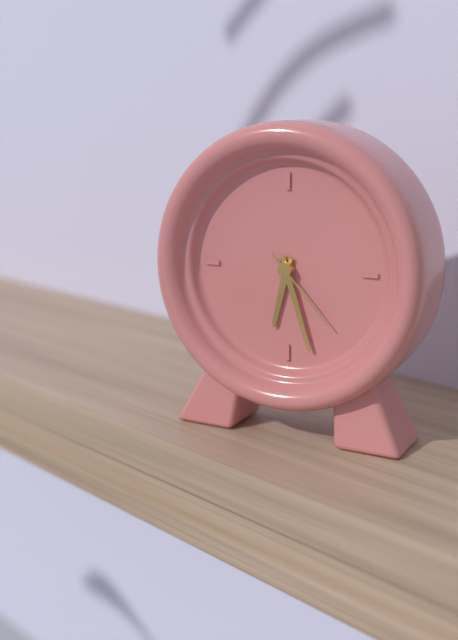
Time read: 6 h 27 min 23 s
